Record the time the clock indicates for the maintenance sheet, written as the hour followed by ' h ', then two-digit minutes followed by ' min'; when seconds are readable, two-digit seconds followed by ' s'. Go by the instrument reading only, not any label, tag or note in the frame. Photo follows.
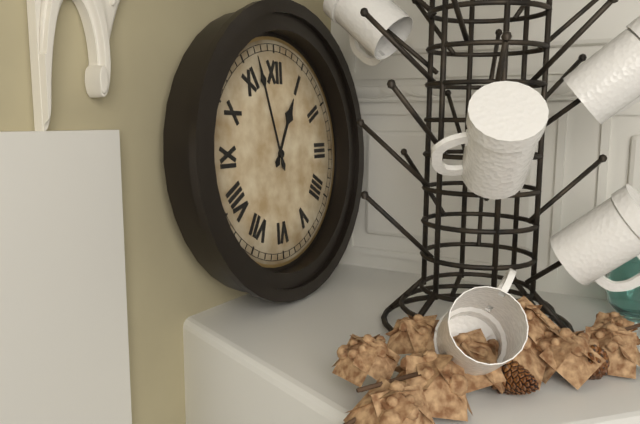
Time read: 12 h 57 min
